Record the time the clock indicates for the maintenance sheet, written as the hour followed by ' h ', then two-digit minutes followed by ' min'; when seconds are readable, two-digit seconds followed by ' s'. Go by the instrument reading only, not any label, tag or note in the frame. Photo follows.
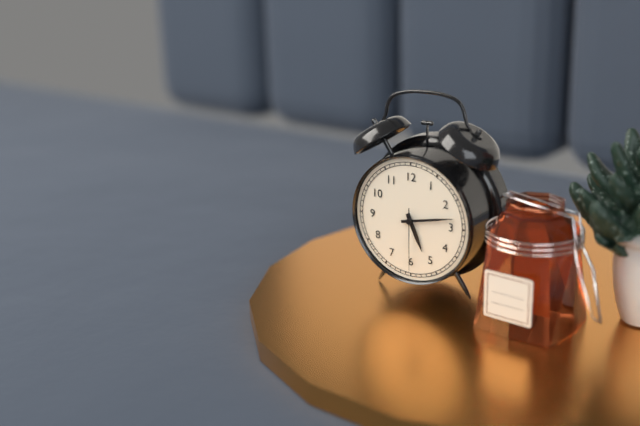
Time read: 5 h 13 min 30 s
